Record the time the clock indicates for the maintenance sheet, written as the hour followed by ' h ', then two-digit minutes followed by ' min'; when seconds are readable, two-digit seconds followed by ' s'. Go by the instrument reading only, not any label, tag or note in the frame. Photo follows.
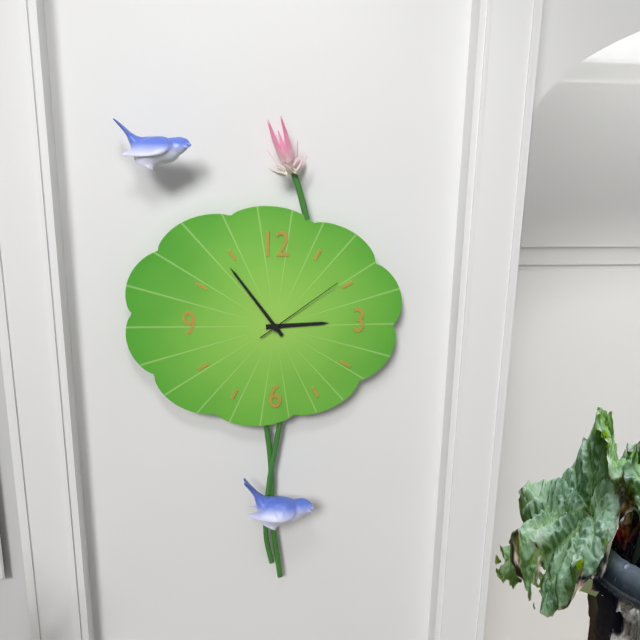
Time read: 2 h 54 min 09 s
